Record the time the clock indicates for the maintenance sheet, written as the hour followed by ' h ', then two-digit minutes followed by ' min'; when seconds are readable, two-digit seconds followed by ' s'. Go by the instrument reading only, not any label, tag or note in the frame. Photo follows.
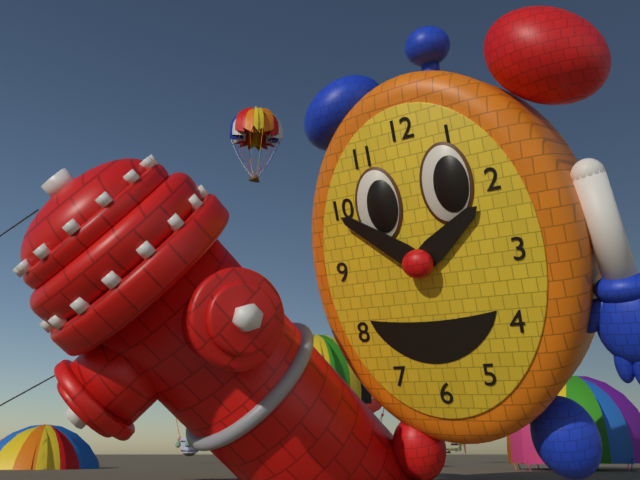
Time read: 1 h 51 min
